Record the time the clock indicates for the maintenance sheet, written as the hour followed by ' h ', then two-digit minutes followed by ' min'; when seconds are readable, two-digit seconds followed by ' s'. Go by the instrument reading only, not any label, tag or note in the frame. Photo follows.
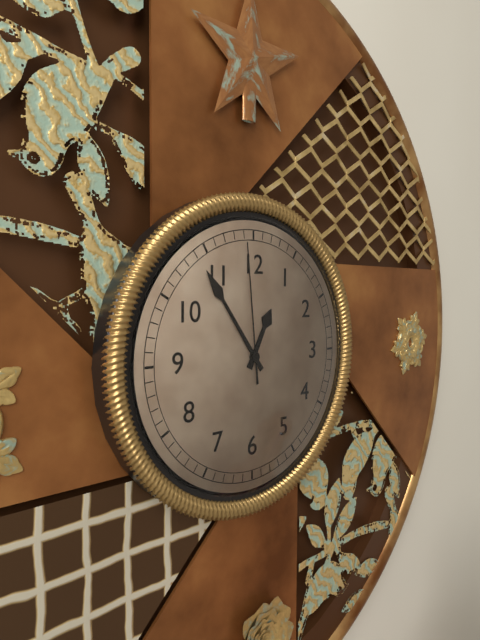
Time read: 12 h 54 min 59 s
